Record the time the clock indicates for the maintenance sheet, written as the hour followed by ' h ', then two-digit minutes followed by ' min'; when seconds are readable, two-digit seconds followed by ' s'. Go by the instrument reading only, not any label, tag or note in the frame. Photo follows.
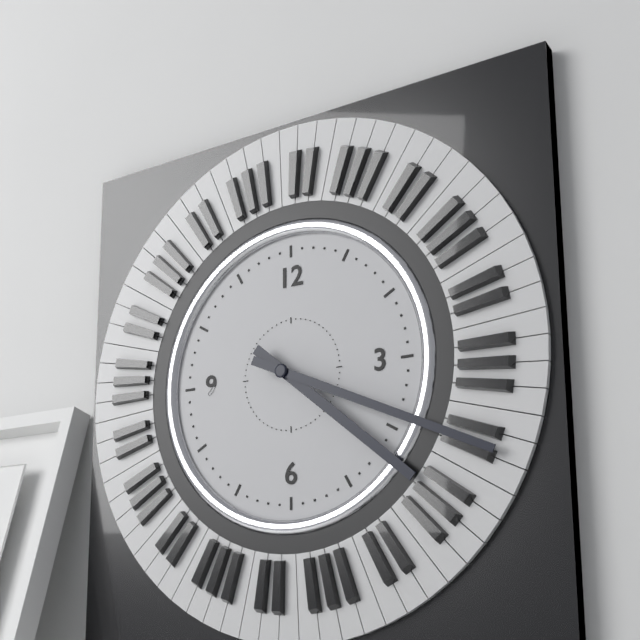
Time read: 4 h 19 min
